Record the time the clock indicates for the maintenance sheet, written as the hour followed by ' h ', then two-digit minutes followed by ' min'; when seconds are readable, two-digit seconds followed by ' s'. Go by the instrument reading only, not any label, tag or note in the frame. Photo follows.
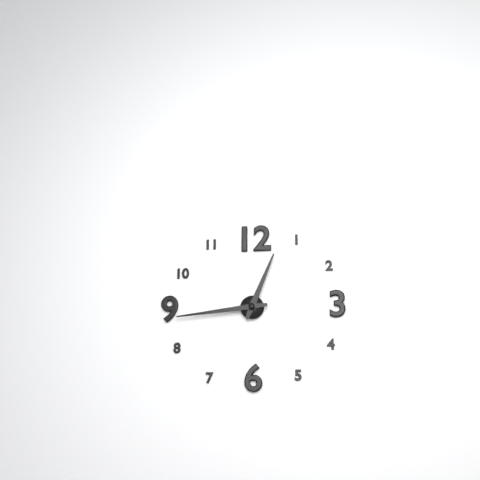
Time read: 12 h 44 min
